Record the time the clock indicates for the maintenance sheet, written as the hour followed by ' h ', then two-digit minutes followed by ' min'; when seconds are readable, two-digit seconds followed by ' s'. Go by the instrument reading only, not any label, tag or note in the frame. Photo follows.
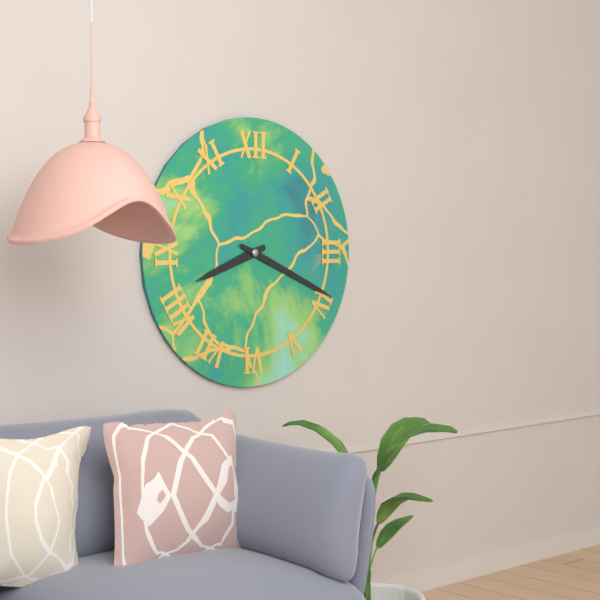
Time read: 8 h 19 min
